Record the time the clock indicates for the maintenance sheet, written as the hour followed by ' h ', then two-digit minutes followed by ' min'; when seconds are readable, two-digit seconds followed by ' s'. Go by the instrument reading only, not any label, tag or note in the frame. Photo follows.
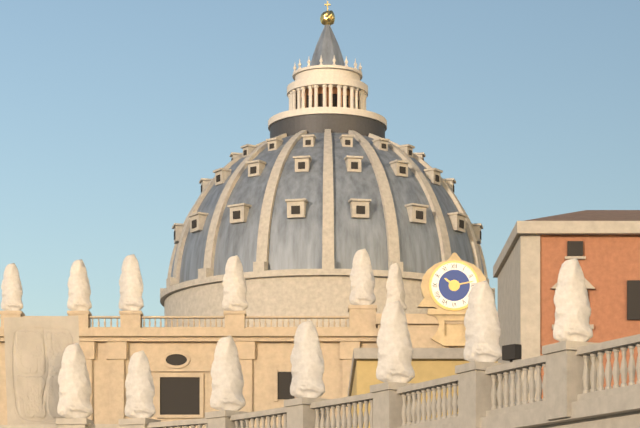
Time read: 10 h 13 min
